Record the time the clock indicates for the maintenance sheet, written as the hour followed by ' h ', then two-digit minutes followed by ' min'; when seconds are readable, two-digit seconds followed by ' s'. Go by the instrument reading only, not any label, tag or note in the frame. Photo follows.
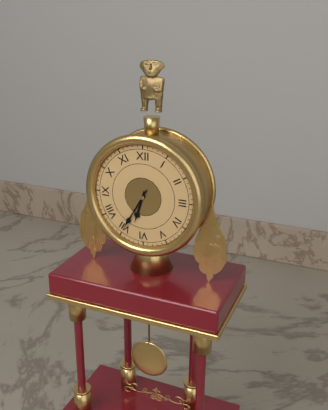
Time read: 6 h 35 min
